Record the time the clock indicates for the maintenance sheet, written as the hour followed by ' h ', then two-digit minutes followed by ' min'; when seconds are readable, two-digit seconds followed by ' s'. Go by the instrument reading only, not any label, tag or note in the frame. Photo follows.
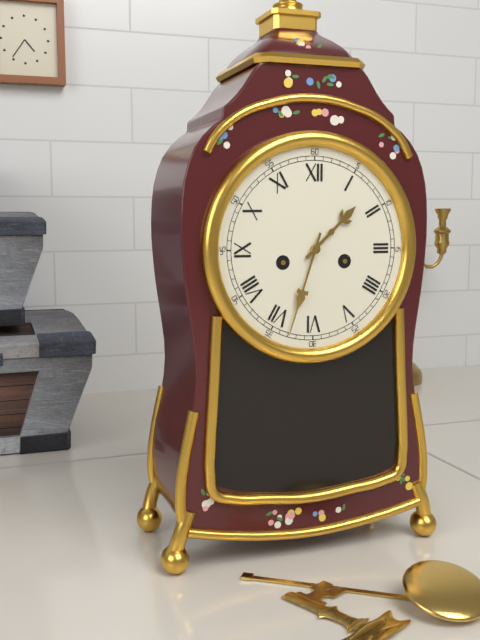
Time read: 1 h 33 min
